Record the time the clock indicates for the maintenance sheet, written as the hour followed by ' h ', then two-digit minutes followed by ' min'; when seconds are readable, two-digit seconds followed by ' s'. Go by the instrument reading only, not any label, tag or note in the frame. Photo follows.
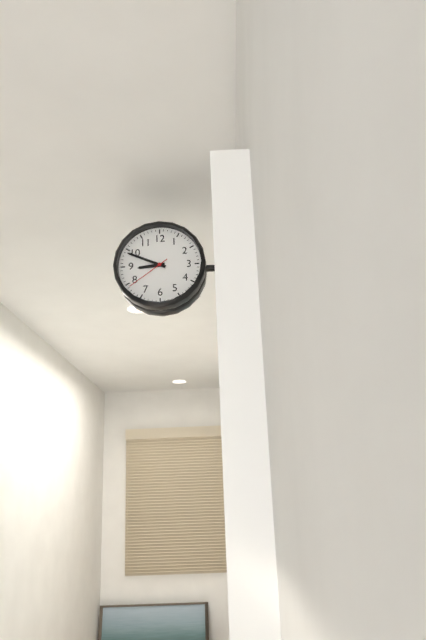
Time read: 8 h 49 min
